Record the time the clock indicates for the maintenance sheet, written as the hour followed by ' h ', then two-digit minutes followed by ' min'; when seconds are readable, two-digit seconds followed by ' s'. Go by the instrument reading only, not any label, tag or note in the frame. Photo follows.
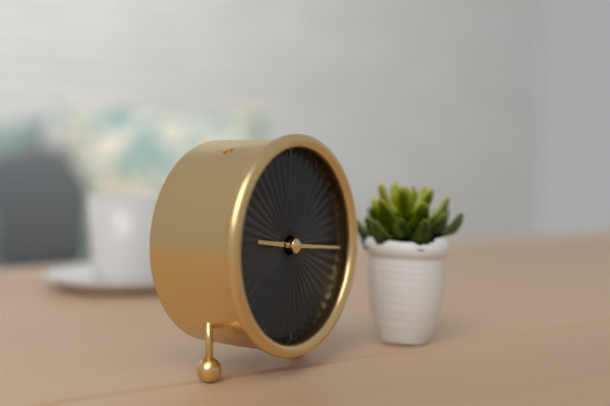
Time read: 9 h 16 min
